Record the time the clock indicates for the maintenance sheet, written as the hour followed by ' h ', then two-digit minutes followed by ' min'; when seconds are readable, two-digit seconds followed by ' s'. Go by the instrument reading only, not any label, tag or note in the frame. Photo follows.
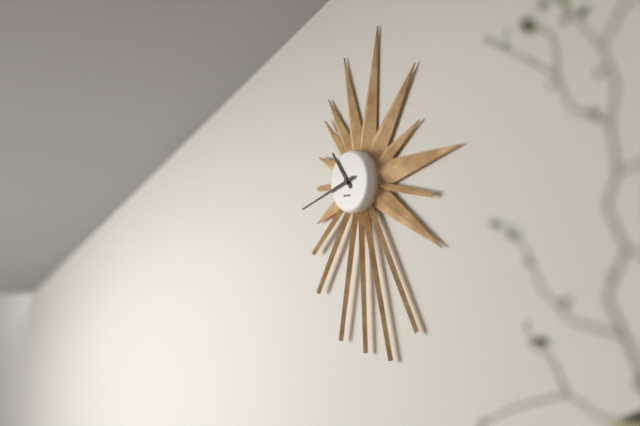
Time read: 10 h 42 min
